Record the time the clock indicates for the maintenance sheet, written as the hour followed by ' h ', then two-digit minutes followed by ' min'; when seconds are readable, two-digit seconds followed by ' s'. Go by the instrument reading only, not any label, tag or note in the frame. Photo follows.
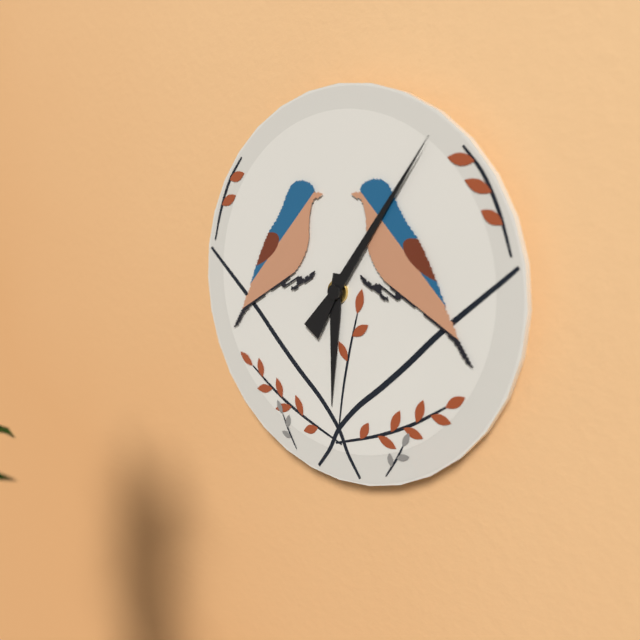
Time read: 6 h 06 min
